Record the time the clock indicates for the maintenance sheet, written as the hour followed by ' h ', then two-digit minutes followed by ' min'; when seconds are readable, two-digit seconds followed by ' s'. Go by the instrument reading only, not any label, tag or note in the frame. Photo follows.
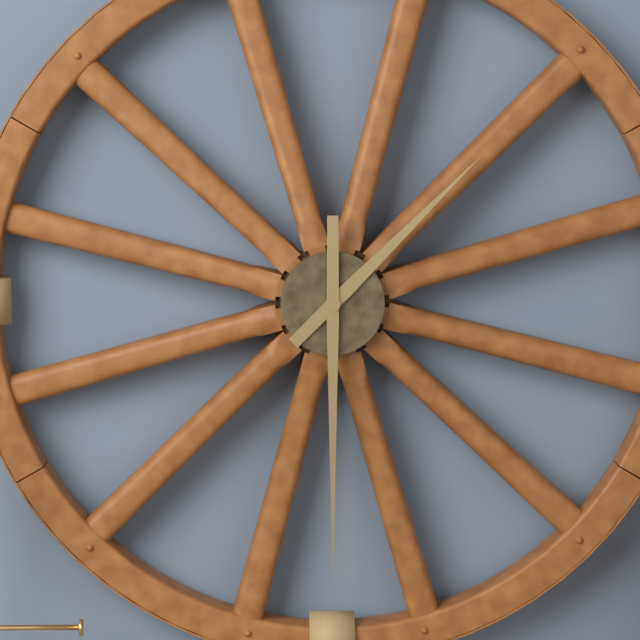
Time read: 1 h 30 min
